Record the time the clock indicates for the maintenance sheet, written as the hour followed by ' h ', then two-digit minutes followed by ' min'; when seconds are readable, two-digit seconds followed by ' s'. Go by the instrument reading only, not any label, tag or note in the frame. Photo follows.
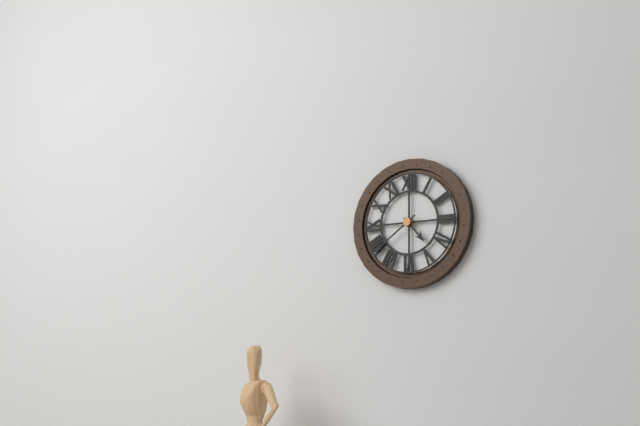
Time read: 4 h 39 min
